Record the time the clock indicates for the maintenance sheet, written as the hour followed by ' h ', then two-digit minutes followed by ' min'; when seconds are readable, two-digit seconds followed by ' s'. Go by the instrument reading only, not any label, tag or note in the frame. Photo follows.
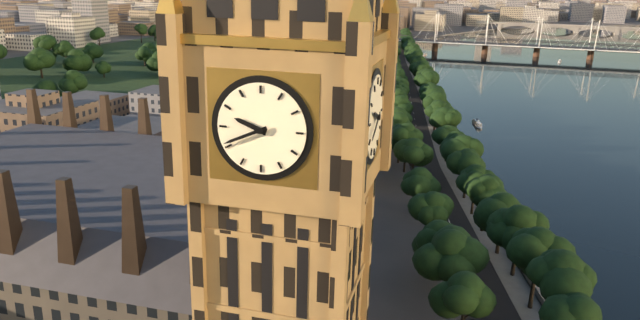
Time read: 9 h 41 min
